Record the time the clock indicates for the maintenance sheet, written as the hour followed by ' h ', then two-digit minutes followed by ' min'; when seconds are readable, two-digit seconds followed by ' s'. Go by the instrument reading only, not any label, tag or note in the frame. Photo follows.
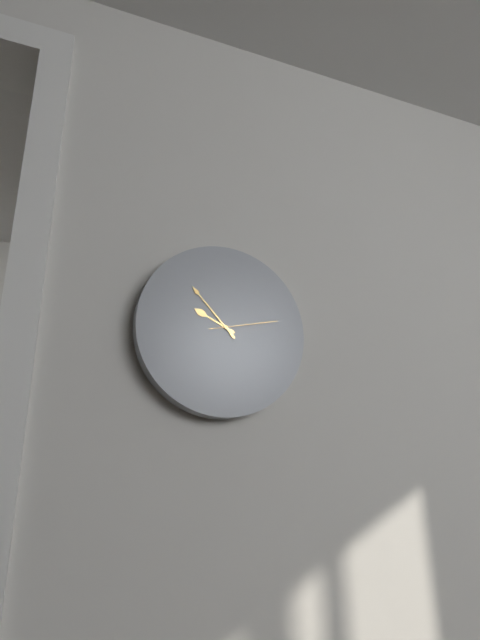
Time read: 9 h 53 min 13 s
